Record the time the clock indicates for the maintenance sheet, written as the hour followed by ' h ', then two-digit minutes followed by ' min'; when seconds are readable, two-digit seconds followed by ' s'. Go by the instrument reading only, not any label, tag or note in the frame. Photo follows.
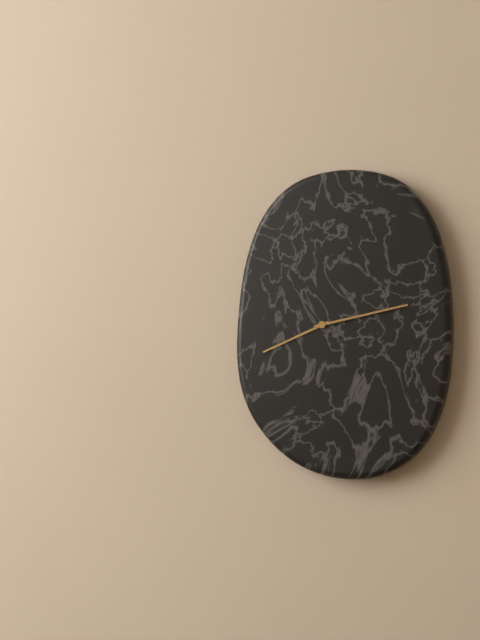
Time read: 8 h 13 min
